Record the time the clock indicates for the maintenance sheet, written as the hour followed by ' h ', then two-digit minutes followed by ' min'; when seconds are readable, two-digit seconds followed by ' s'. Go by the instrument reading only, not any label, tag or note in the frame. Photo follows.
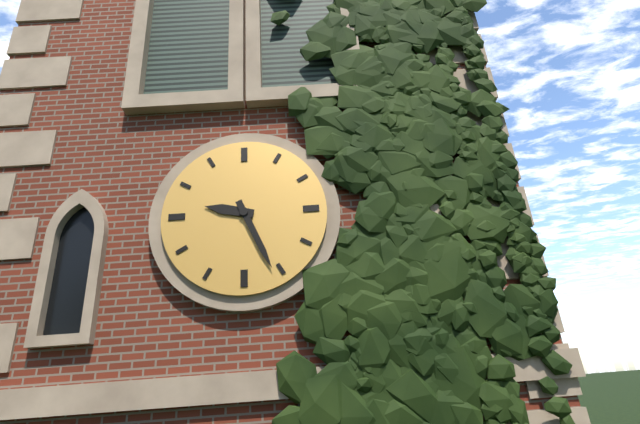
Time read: 9 h 26 min
